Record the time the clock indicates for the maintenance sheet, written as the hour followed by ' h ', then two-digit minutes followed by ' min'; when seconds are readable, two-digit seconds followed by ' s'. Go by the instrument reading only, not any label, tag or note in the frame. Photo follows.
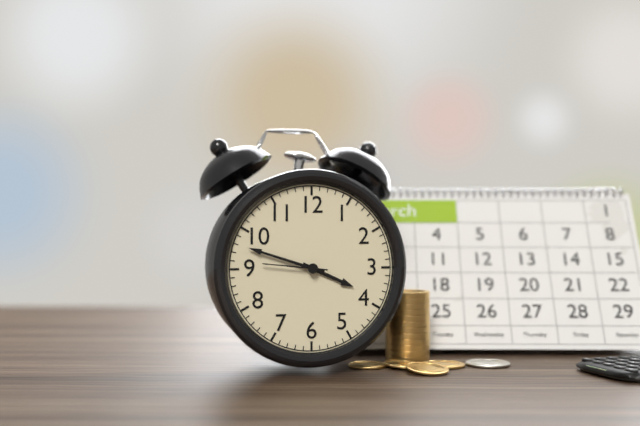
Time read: 3 h 48 min 46 s
